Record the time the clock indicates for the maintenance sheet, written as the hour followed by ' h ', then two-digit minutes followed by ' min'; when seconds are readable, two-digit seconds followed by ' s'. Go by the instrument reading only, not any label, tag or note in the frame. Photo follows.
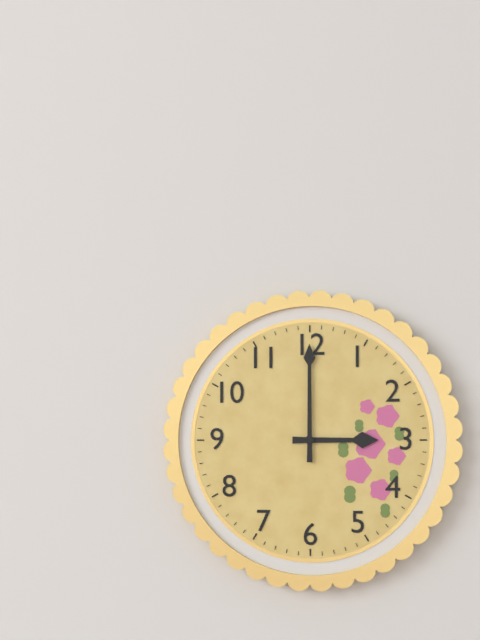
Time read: 3 h 00 min
